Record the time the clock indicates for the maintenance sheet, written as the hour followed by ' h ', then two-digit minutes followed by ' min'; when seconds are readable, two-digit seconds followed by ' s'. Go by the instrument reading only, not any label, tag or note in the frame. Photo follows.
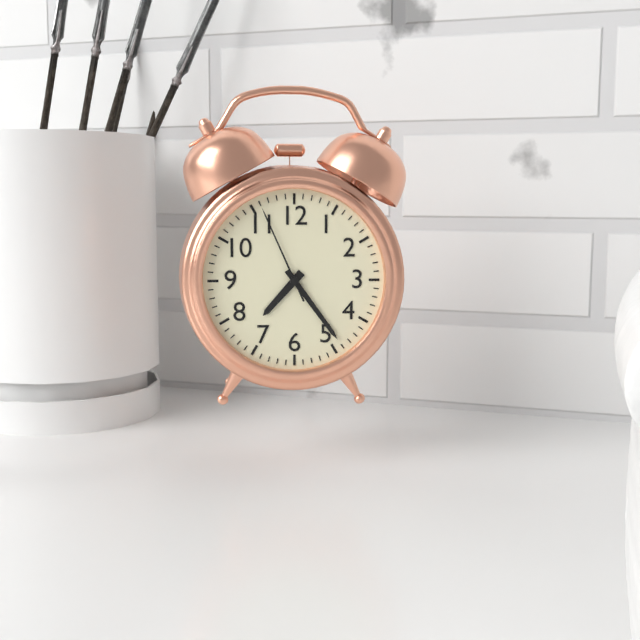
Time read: 7 h 24 min 56 s
